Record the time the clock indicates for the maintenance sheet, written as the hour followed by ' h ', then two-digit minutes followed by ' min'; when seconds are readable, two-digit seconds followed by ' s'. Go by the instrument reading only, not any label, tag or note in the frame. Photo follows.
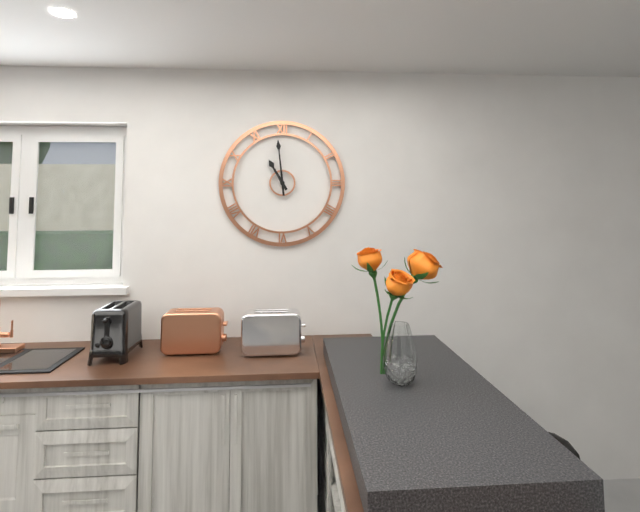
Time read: 10 h 59 min
